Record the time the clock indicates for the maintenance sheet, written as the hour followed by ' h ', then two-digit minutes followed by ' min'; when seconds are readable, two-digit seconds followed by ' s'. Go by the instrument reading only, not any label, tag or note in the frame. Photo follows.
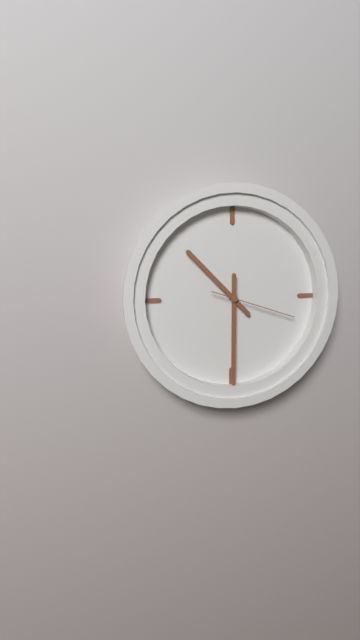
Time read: 10 h 30 min 18 s
